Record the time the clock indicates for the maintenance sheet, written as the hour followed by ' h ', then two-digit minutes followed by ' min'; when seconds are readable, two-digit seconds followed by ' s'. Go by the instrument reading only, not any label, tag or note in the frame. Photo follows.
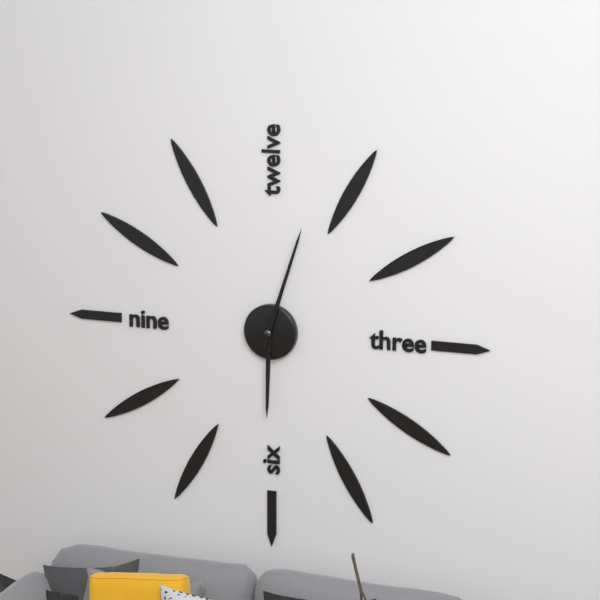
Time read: 6 h 03 min
